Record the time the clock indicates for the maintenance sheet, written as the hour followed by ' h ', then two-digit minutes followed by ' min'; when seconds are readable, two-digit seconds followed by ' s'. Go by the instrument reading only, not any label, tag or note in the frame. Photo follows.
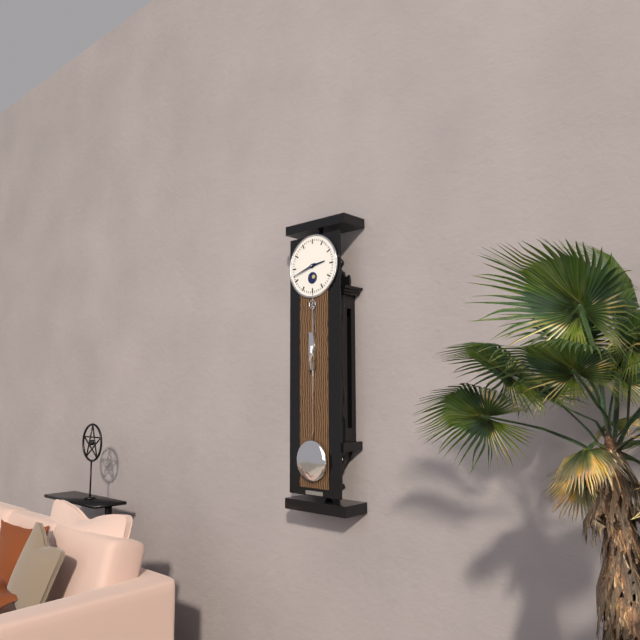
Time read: 2 h 42 min
